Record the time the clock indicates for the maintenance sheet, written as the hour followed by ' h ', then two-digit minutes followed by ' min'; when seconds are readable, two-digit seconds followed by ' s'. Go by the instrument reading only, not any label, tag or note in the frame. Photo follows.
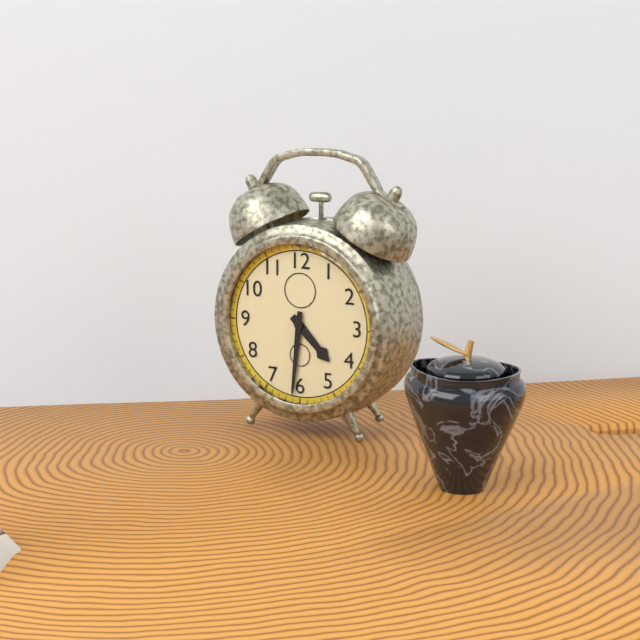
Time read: 4 h 31 min
